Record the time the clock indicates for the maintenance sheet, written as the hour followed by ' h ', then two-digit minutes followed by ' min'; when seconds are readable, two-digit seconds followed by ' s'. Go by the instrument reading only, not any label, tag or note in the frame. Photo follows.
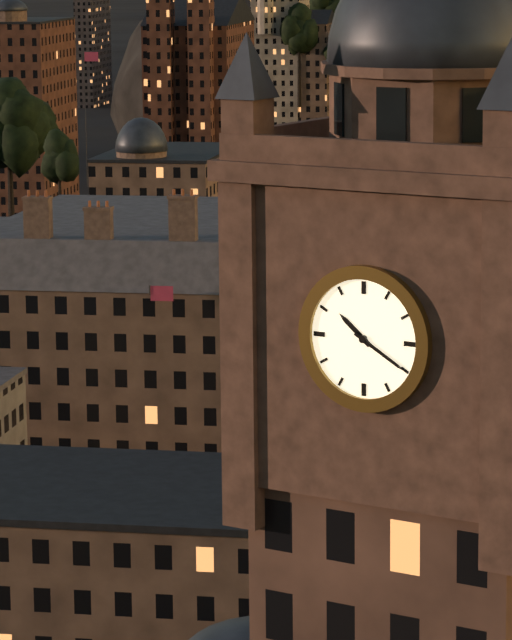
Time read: 10 h 20 min
